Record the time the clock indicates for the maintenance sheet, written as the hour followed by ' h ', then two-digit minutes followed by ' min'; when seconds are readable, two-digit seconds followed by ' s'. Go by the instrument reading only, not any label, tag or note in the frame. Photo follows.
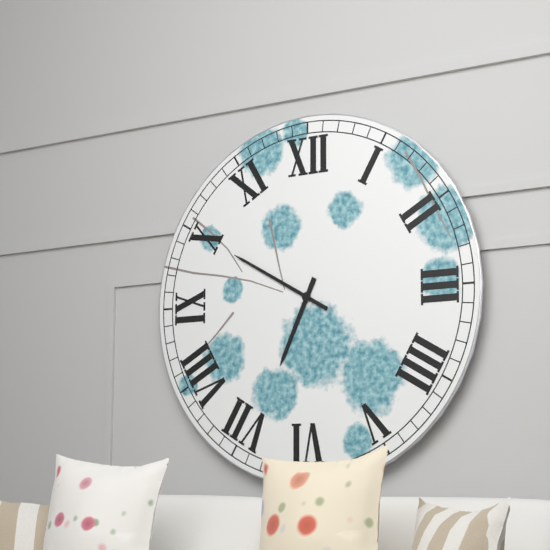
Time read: 6 h 50 min
